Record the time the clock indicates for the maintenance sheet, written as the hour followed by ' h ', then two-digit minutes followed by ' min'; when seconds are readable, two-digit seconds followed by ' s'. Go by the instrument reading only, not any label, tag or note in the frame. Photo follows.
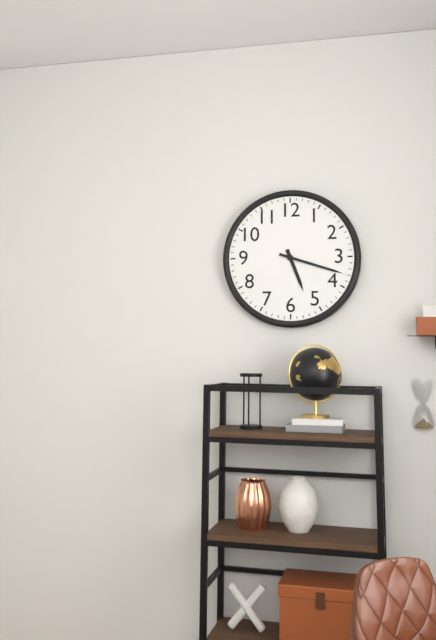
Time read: 5 h 18 min
